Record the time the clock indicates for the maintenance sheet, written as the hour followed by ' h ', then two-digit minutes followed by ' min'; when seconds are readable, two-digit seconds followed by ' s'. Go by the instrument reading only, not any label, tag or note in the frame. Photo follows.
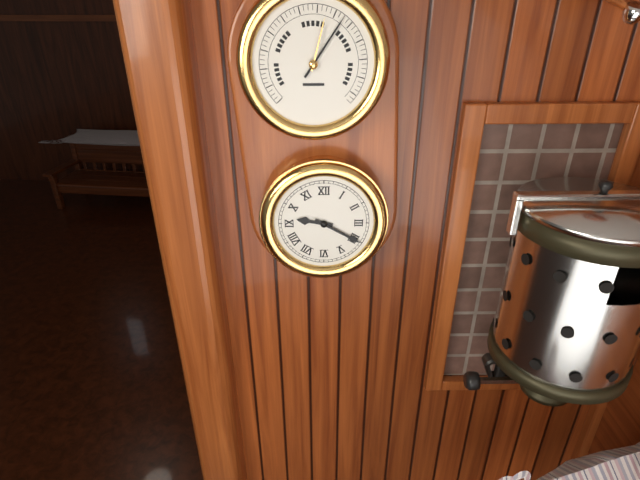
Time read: 9 h 20 min
